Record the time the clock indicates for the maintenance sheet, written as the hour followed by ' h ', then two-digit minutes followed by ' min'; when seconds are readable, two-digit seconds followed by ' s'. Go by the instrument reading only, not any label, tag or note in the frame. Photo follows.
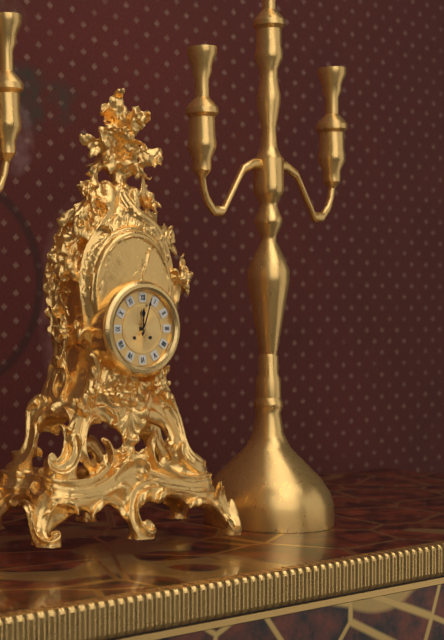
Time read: 12 h 03 min
